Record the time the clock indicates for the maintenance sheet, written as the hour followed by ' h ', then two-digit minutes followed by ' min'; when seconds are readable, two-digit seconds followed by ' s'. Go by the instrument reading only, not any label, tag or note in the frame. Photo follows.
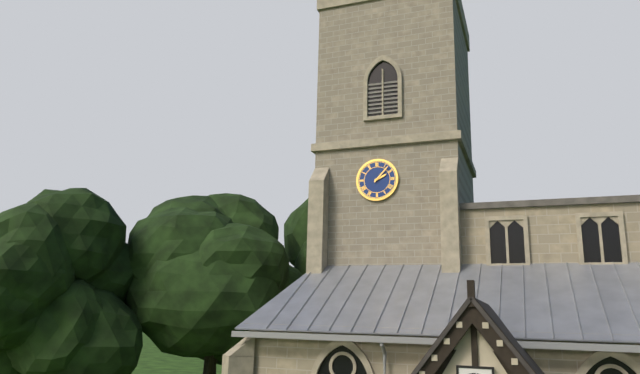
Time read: 2 h 07 min
